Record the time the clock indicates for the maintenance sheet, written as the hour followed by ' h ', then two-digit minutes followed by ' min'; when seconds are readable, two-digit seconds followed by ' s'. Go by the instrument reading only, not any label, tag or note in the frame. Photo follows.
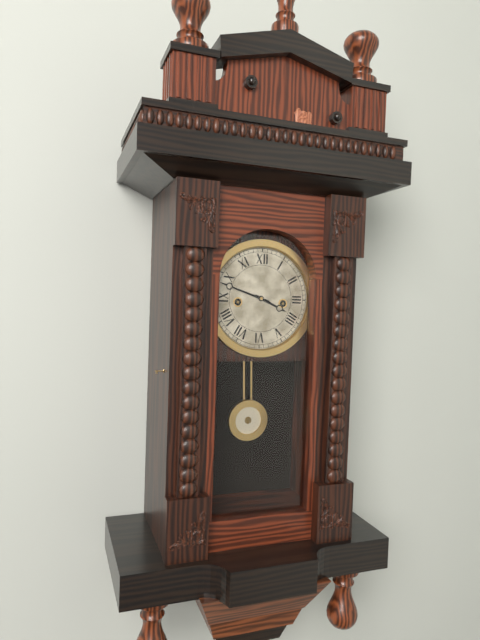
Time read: 3 h 48 min
